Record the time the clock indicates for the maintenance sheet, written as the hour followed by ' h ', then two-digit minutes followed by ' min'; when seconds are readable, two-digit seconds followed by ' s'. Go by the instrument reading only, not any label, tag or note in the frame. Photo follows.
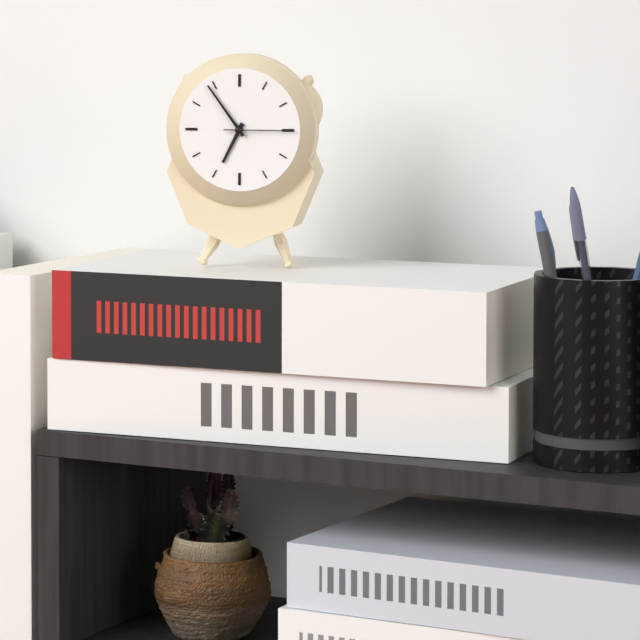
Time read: 6 h 54 min 15 s
